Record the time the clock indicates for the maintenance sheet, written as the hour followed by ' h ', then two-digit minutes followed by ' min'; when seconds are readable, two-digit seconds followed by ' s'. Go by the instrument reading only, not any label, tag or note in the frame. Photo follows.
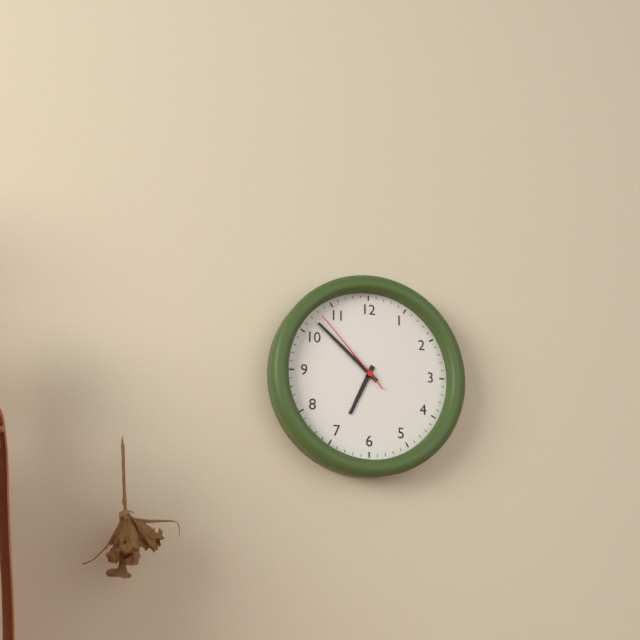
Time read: 6 h 52 min 53 s
